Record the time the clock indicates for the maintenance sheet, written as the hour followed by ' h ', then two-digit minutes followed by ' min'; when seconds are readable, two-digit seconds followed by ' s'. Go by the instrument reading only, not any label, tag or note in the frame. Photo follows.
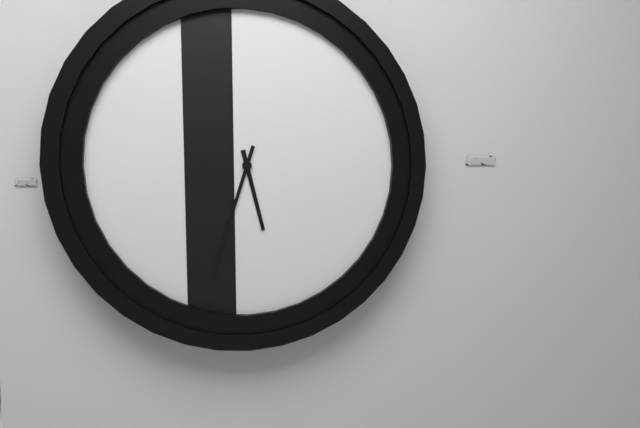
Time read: 5 h 33 min
